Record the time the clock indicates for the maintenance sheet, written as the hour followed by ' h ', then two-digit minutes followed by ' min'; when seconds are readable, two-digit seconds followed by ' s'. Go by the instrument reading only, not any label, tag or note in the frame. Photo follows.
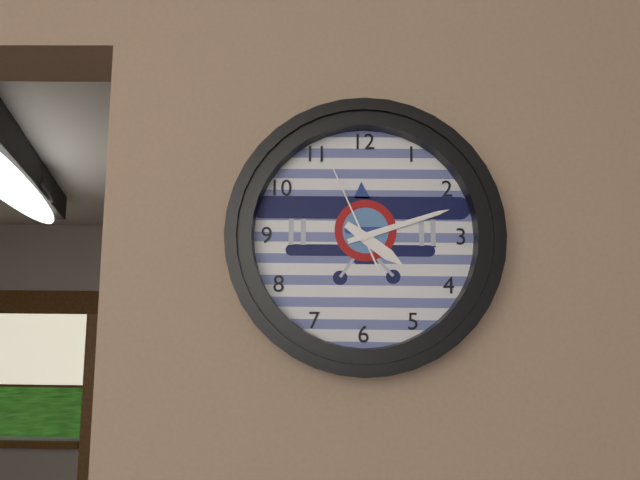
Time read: 4 h 12 min 56 s
